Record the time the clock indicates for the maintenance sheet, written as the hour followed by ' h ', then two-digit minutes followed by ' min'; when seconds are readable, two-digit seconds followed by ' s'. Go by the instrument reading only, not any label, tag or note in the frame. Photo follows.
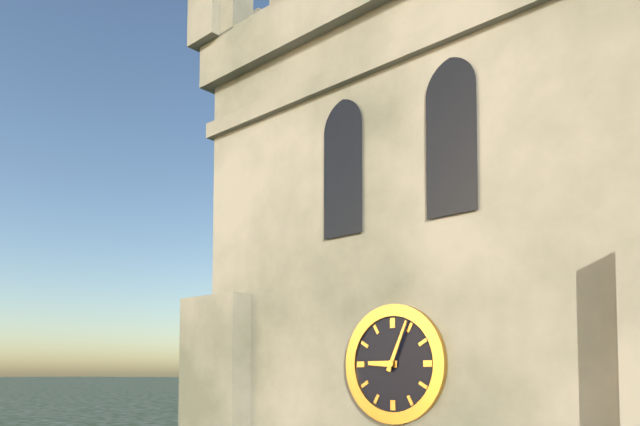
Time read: 9 h 04 min
